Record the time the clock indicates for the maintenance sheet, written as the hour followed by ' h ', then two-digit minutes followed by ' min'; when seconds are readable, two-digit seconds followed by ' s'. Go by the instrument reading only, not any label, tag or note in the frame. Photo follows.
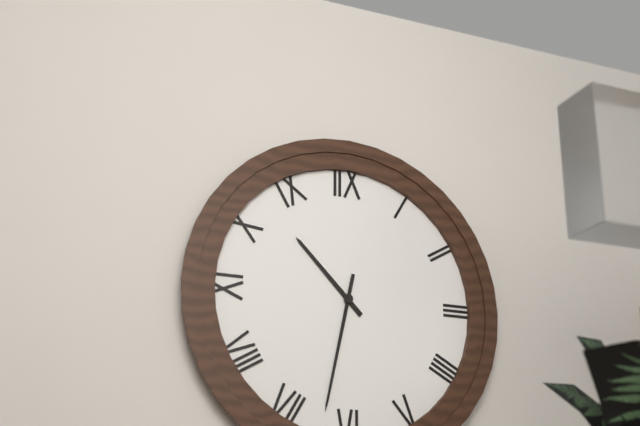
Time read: 10 h 32 min
